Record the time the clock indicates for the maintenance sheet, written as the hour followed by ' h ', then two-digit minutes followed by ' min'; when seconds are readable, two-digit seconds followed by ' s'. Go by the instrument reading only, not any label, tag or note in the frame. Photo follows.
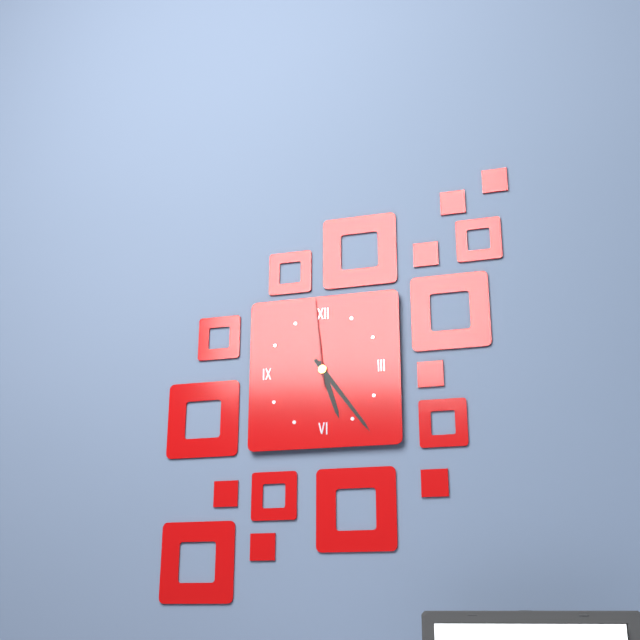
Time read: 5 h 24 min 59 s
